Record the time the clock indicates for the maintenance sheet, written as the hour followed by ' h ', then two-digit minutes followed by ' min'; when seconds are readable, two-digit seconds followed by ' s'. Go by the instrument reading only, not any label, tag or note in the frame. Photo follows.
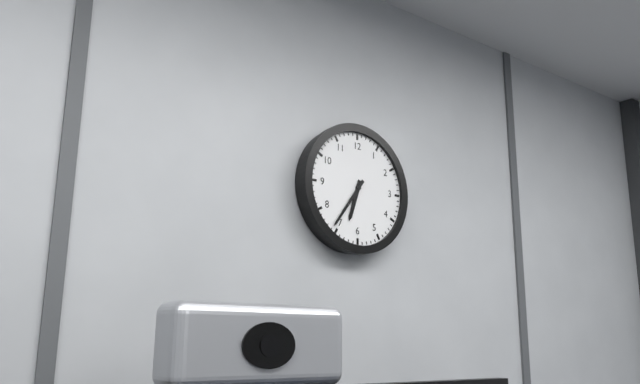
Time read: 6 h 36 min
